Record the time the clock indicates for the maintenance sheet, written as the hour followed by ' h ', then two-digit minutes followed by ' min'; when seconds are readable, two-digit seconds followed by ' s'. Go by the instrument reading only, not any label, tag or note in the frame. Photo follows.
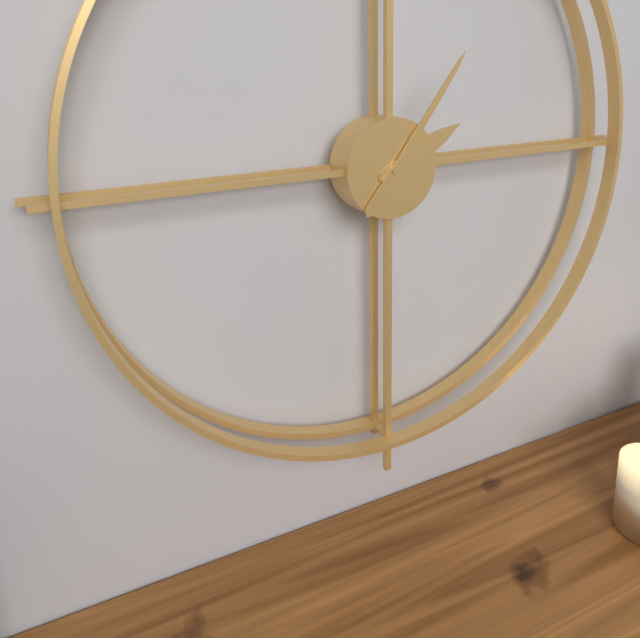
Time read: 2 h 06 min
